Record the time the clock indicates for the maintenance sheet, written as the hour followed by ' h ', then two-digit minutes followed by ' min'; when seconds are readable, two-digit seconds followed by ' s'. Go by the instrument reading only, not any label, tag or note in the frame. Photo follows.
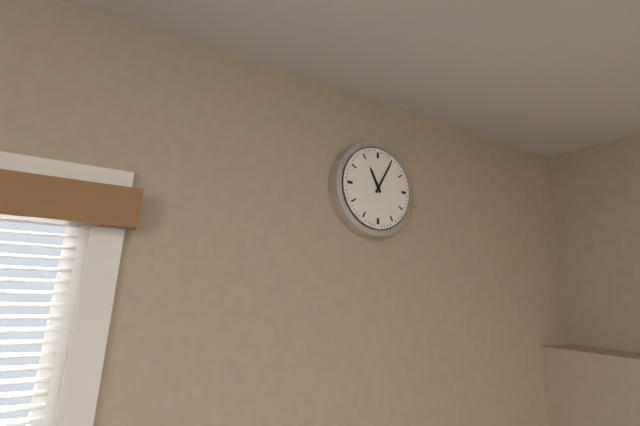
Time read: 11 h 05 min
